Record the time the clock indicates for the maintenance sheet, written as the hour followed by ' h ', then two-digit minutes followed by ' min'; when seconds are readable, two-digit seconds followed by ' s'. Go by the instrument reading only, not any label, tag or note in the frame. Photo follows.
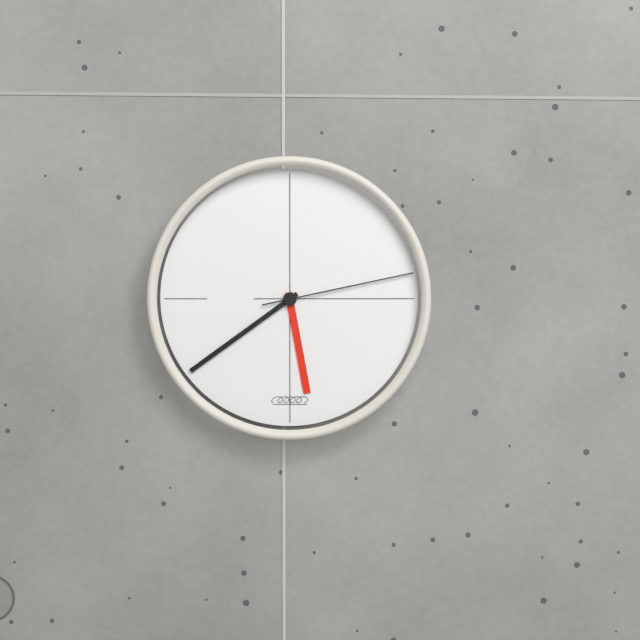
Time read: 5 h 39 min 13 s
